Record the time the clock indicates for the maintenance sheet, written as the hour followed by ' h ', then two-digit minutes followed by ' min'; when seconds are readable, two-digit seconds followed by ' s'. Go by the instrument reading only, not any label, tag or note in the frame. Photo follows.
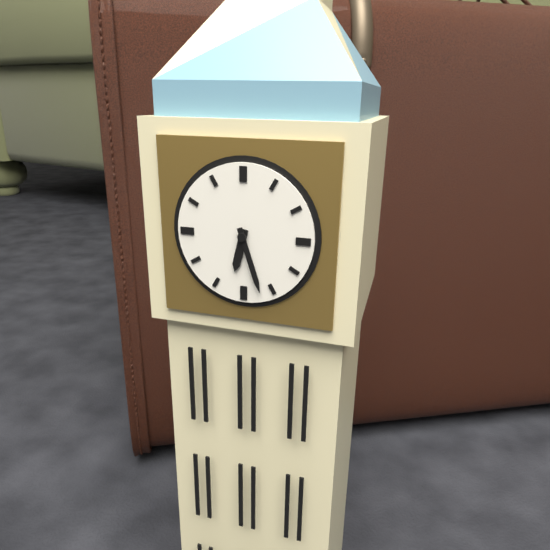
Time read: 6 h 27 min
